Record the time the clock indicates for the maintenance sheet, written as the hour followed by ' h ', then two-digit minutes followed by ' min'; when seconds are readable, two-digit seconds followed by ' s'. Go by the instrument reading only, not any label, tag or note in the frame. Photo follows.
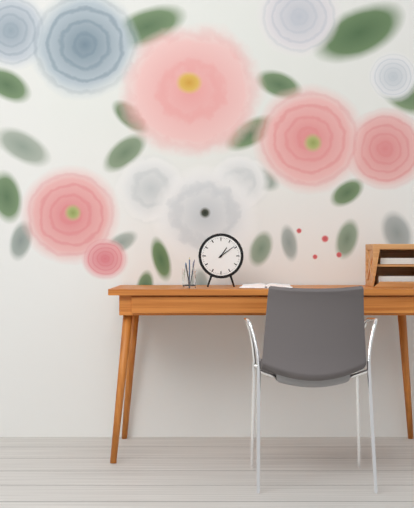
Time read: 1 h 09 min
